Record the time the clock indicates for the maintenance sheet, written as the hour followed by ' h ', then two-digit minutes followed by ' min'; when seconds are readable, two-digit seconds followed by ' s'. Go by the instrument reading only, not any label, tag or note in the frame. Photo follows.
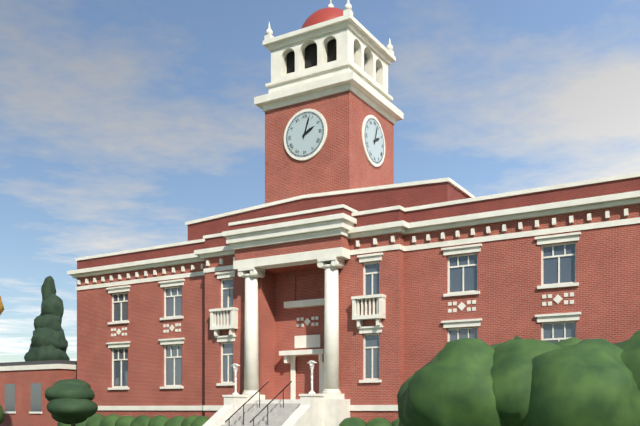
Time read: 2 h 03 min
